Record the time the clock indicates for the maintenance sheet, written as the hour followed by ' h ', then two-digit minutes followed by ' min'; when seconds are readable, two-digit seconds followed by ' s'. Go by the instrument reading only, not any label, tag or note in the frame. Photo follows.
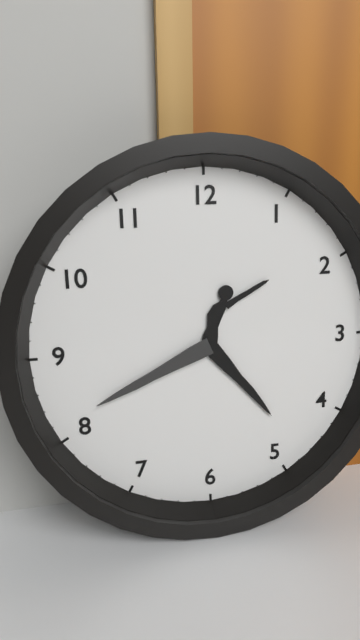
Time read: 4 h 41 min
